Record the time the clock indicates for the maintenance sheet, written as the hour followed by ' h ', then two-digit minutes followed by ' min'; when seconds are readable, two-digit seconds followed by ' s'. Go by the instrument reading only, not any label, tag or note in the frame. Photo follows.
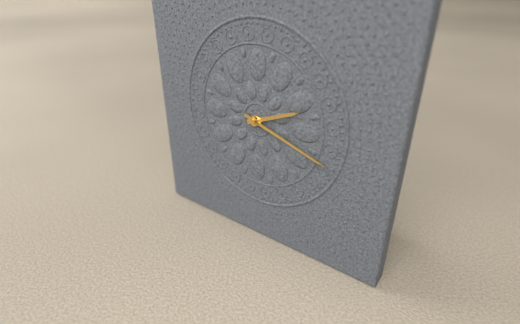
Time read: 2 h 18 min
